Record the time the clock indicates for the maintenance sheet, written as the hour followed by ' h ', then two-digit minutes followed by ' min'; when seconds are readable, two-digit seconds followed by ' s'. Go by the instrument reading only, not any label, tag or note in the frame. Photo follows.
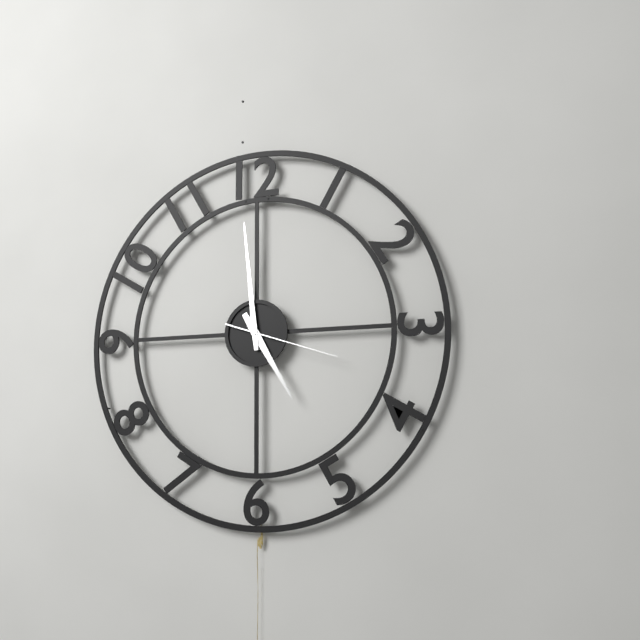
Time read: 4 h 59 min 18 s
